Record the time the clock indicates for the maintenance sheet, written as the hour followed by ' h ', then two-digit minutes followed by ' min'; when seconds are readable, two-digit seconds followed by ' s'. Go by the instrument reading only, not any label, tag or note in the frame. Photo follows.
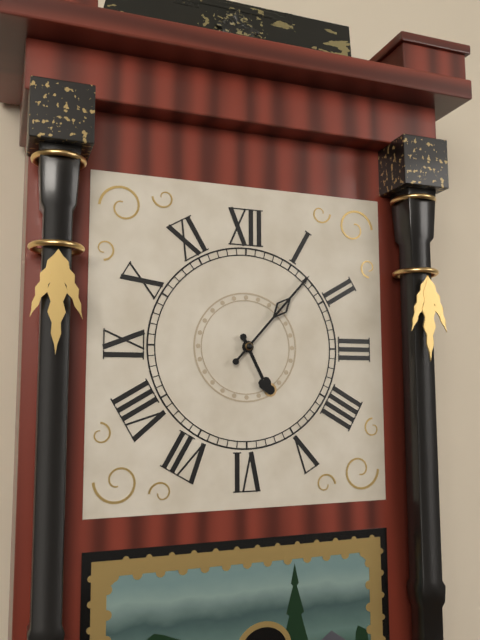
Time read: 5 h 07 min
